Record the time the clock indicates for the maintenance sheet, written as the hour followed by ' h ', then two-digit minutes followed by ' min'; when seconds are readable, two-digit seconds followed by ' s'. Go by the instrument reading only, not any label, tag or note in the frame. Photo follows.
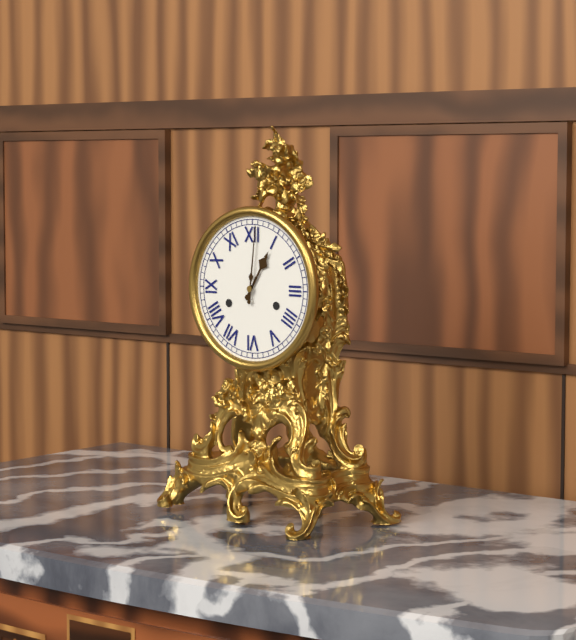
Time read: 1 h 01 min
